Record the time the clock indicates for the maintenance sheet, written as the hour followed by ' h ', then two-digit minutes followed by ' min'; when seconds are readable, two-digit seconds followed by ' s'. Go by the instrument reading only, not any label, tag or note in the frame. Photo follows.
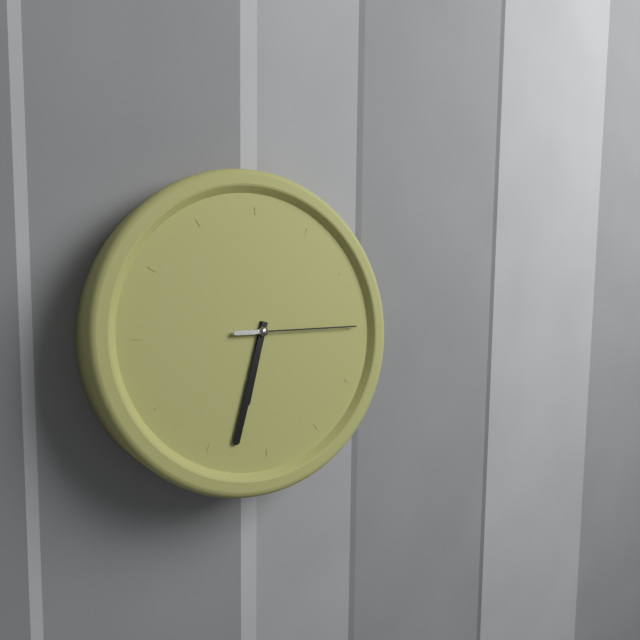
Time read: 6 h 33 min 15 s
